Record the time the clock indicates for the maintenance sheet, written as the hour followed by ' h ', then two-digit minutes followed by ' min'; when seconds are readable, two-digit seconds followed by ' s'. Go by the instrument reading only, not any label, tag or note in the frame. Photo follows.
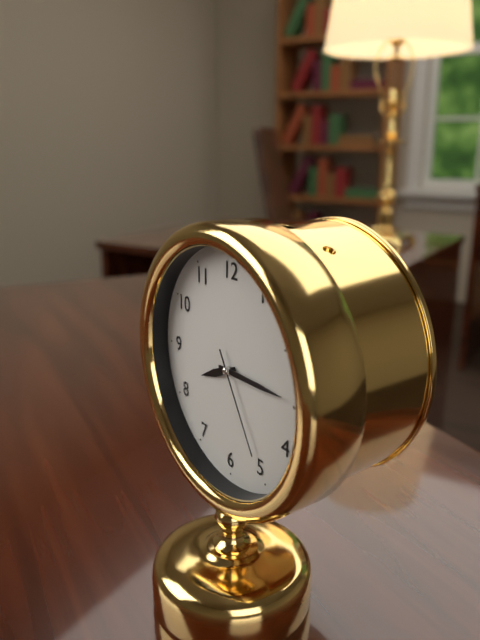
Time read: 8 h 15 min 25 s
